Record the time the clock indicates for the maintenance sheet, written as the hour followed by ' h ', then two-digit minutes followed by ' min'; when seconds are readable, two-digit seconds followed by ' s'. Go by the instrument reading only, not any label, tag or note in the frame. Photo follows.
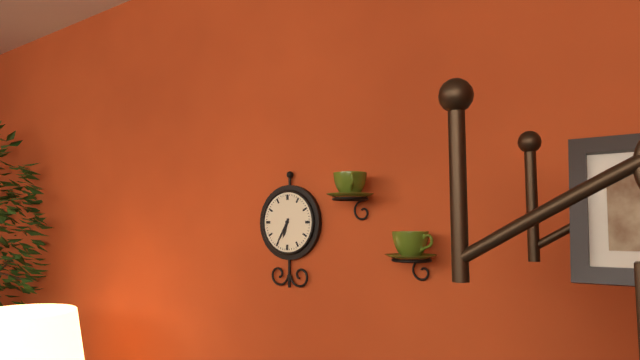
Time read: 6 h 35 min
